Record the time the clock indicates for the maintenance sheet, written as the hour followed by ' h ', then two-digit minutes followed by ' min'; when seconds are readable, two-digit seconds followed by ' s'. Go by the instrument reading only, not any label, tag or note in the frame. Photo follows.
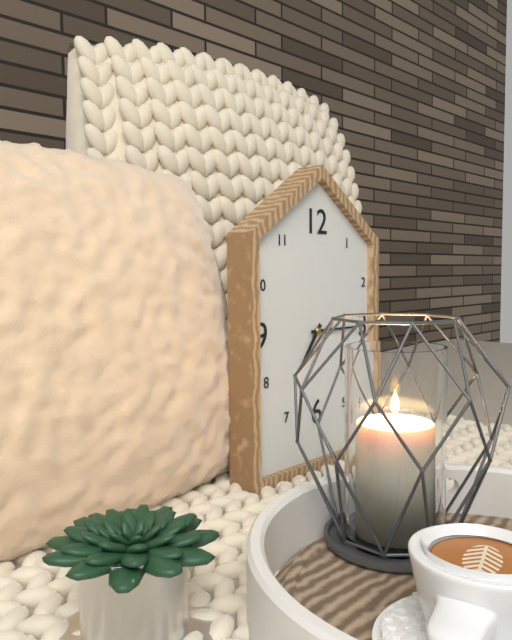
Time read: 7 h 15 min
